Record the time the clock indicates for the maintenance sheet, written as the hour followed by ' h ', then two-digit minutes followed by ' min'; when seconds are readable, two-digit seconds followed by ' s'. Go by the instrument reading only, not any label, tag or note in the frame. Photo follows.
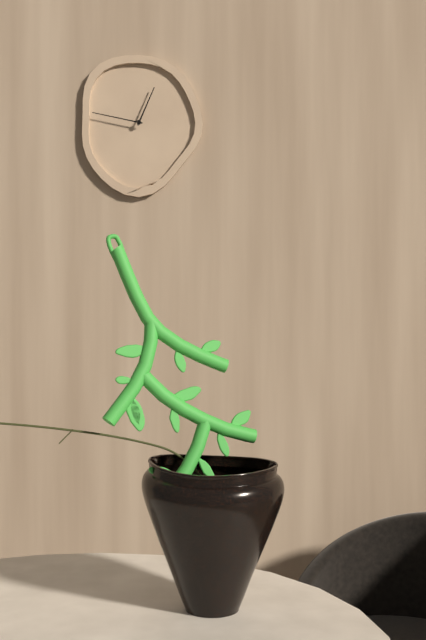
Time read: 12 h 47 min
